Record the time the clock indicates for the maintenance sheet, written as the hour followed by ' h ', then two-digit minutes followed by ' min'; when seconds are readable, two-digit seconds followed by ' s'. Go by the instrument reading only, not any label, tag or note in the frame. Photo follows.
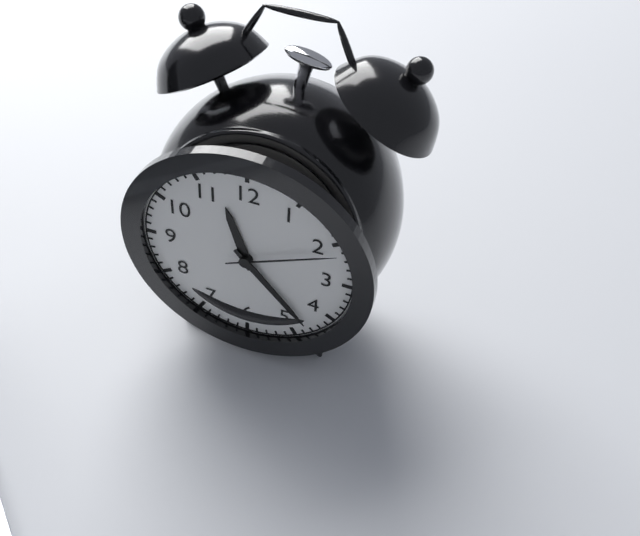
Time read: 11 h 23 min 11 s
